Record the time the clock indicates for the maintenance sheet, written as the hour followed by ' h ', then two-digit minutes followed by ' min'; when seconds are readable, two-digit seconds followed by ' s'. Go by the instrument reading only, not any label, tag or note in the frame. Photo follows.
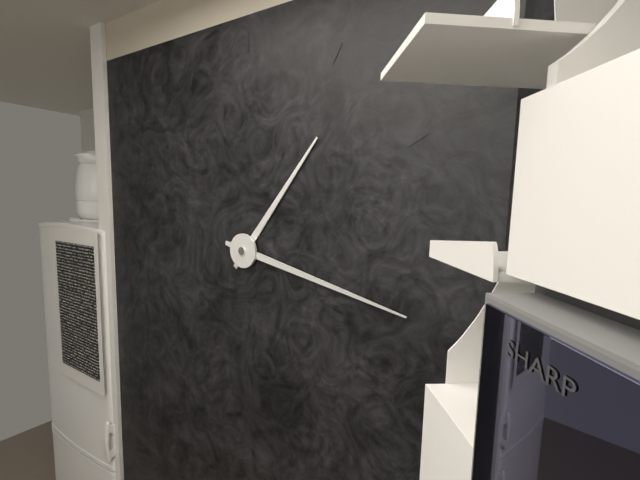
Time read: 1 h 17 min
